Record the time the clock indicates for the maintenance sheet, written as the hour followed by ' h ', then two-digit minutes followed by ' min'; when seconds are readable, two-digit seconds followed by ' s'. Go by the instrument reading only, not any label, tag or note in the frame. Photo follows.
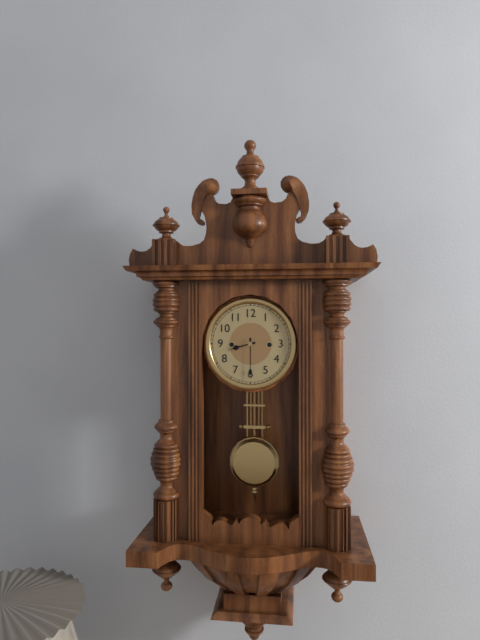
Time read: 8 h 30 min
